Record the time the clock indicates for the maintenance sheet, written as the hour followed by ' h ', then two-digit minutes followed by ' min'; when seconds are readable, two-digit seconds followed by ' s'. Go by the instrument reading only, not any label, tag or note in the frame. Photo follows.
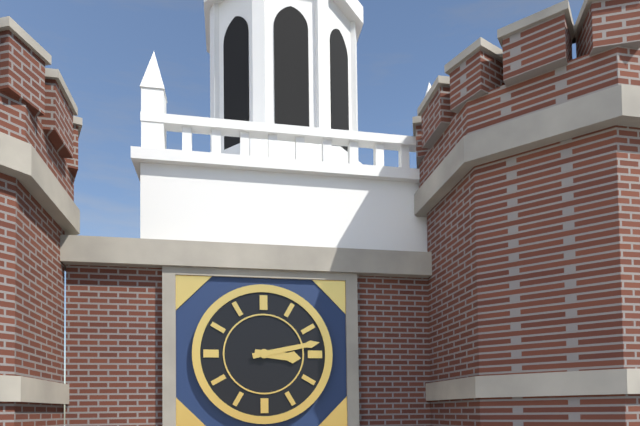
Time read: 3 h 13 min
